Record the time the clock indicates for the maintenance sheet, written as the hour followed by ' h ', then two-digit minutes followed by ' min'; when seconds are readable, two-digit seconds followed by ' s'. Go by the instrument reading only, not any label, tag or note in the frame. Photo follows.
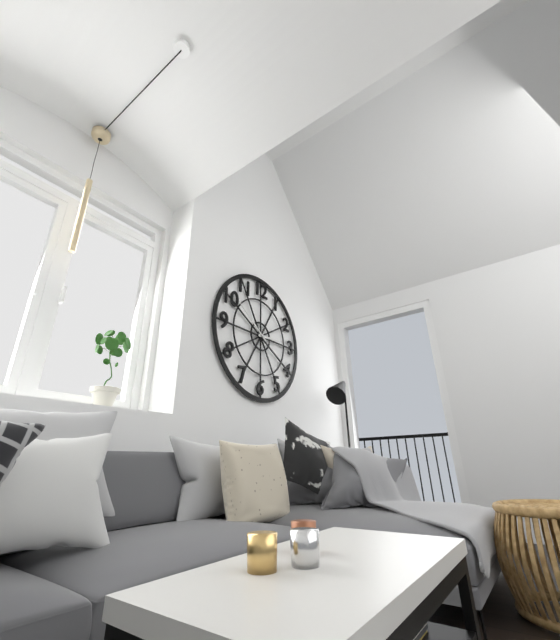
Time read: 2 h 51 min
